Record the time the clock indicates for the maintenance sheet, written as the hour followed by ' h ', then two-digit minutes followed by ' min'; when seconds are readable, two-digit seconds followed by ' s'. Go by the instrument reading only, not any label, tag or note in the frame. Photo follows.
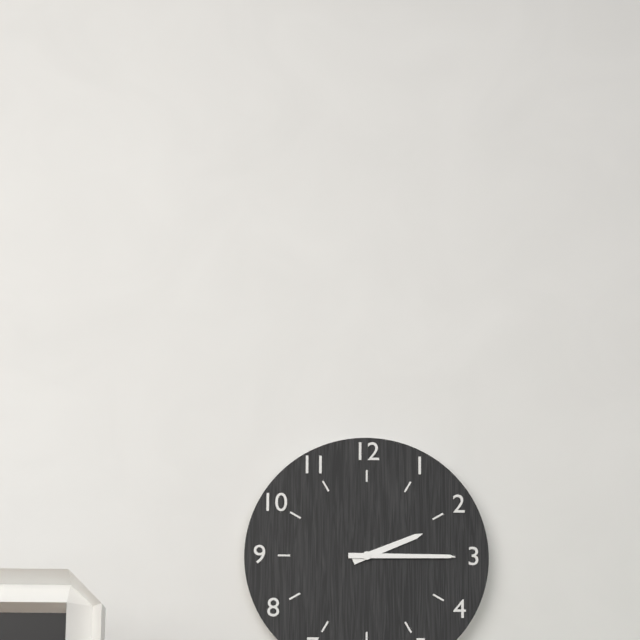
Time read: 2 h 15 min
